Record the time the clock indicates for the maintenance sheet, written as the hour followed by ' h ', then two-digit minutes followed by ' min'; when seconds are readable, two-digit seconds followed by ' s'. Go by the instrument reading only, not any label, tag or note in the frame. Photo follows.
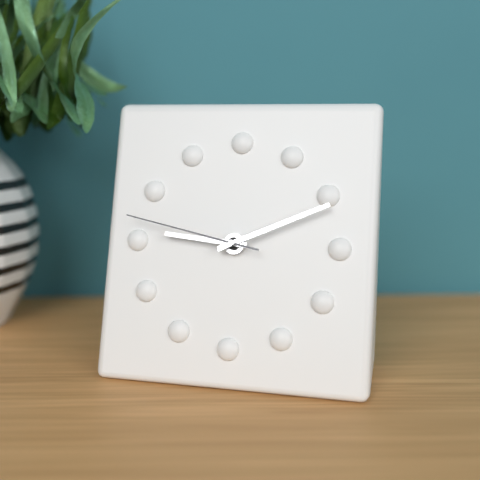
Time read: 9 h 11 min 47 s
